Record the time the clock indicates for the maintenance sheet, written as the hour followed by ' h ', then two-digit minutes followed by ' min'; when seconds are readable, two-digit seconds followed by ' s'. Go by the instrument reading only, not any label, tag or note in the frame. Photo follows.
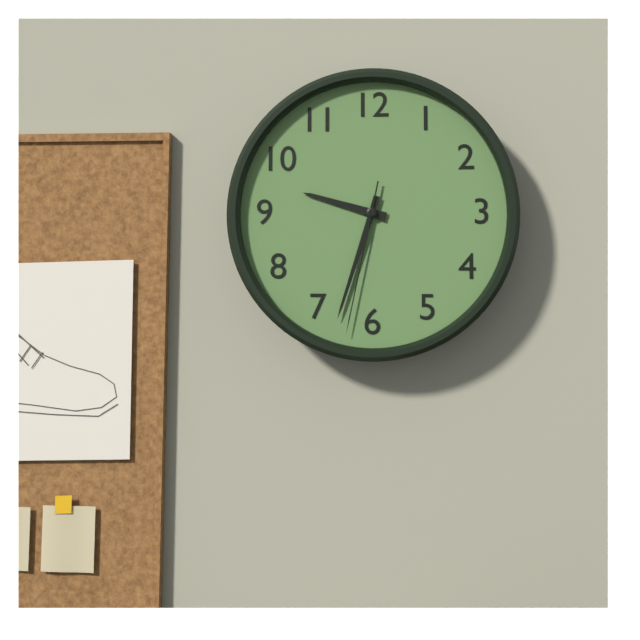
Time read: 9 h 33 min 32 s
